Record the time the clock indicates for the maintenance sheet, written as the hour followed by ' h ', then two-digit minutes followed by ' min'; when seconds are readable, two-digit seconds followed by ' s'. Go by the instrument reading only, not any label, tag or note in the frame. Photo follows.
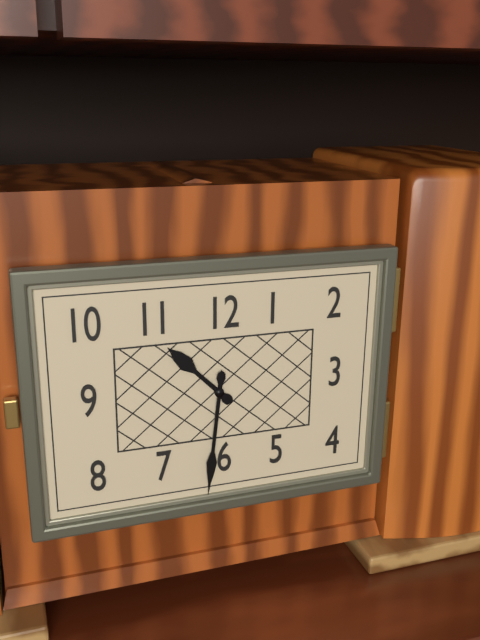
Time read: 10 h 31 min
